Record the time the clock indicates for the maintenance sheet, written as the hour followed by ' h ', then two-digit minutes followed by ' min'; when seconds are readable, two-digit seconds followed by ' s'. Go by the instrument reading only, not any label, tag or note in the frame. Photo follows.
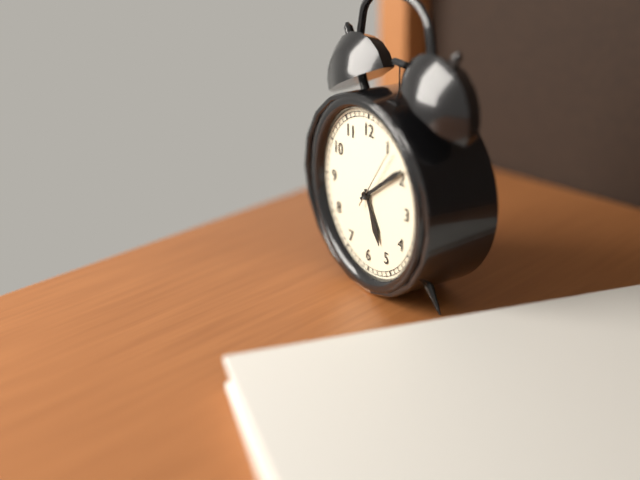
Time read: 5 h 09 min 06 s
